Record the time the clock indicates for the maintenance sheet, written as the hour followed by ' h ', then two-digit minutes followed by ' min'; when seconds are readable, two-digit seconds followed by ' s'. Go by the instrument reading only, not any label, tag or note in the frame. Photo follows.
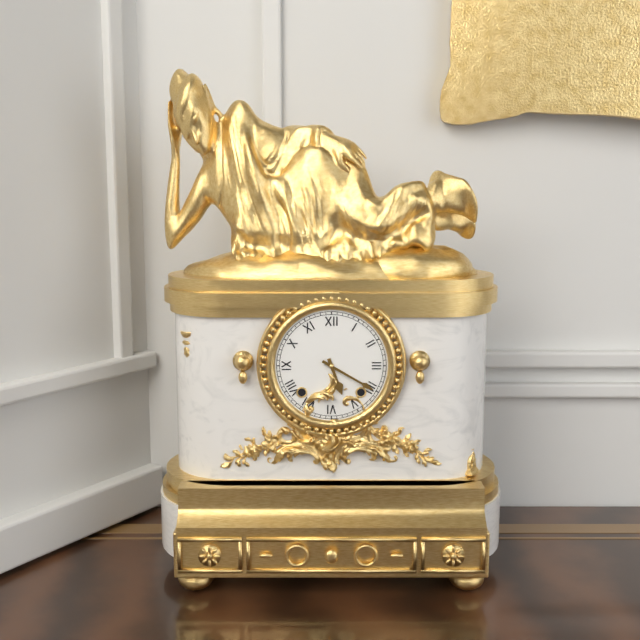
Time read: 5 h 20 min
